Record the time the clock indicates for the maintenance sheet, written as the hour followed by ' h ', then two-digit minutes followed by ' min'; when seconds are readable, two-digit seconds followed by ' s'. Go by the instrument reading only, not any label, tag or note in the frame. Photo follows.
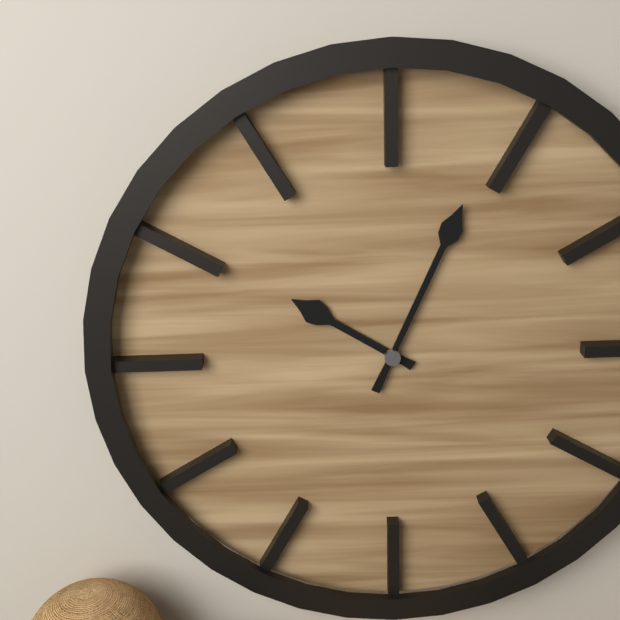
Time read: 10 h 04 min
